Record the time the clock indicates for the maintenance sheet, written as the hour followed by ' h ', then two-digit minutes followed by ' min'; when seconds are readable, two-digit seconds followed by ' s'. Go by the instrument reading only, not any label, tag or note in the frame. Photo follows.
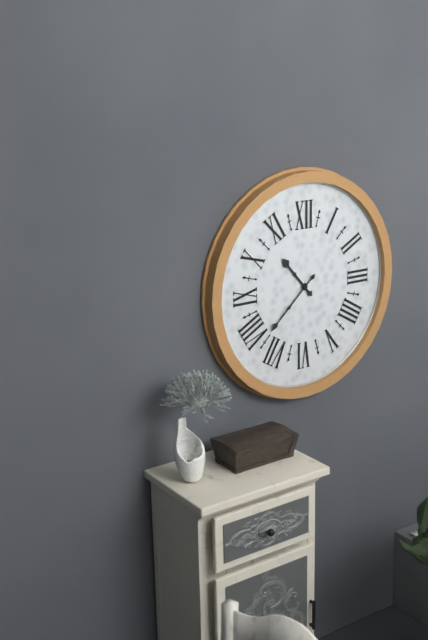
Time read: 10 h 38 min
